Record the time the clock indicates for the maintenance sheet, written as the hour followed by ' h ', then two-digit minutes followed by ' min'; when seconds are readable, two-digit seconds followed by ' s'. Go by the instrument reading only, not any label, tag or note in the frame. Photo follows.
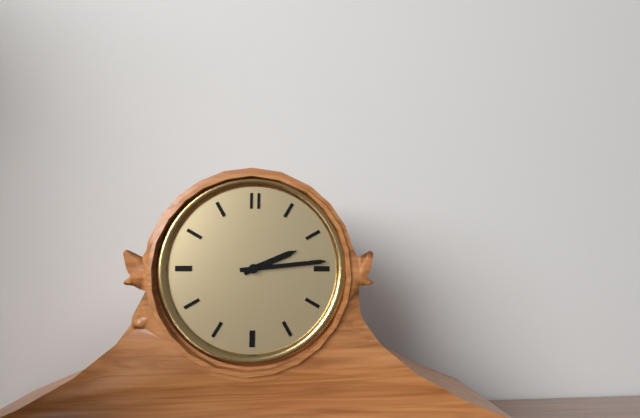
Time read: 2 h 14 min
